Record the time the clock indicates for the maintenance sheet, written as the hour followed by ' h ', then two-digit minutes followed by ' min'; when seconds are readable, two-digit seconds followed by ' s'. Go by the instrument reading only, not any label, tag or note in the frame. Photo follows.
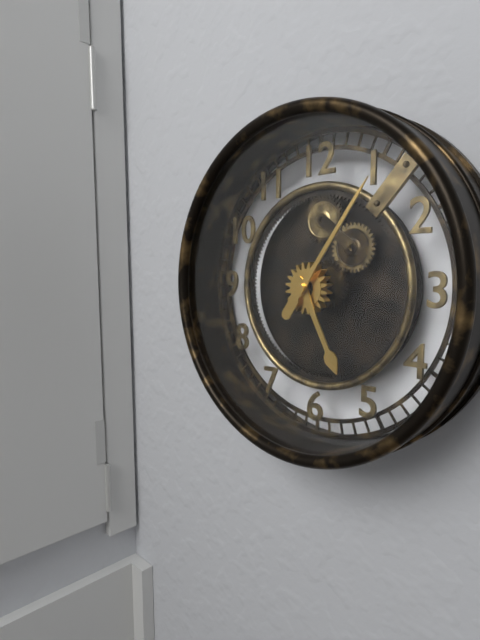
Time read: 5 h 06 min
